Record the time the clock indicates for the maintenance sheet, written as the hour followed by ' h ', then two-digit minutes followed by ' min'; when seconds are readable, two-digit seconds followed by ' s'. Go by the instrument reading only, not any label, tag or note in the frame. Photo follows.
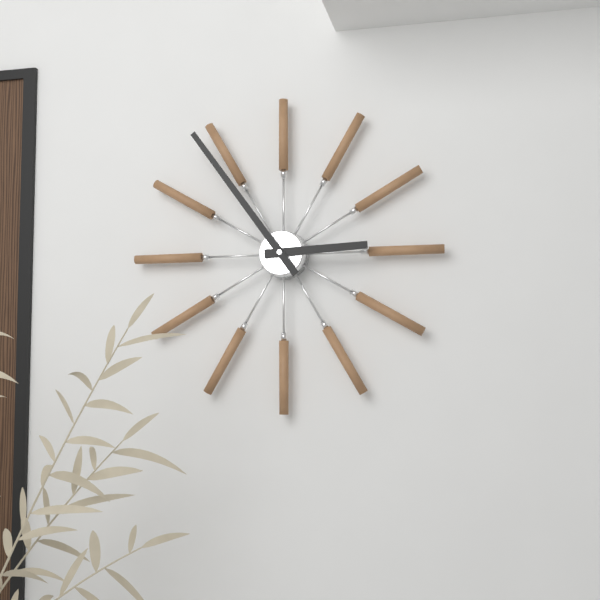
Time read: 2 h 54 min
